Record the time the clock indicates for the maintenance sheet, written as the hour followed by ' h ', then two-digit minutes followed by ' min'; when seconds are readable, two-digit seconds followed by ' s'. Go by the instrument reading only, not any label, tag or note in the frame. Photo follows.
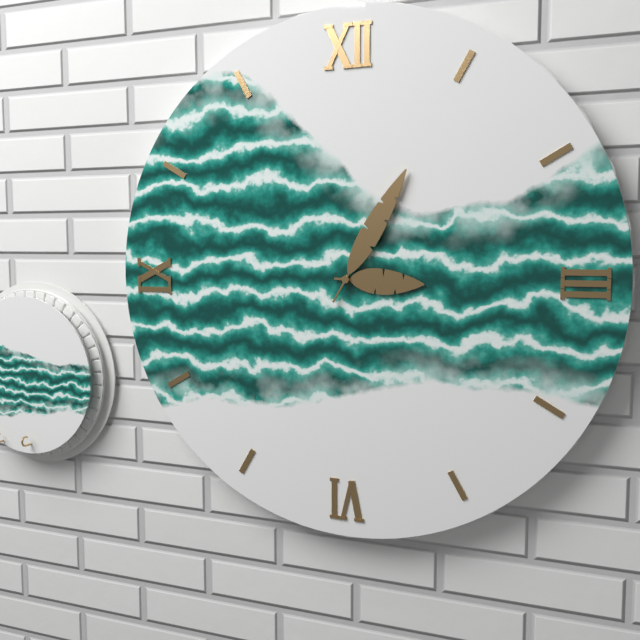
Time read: 3 h 05 min
